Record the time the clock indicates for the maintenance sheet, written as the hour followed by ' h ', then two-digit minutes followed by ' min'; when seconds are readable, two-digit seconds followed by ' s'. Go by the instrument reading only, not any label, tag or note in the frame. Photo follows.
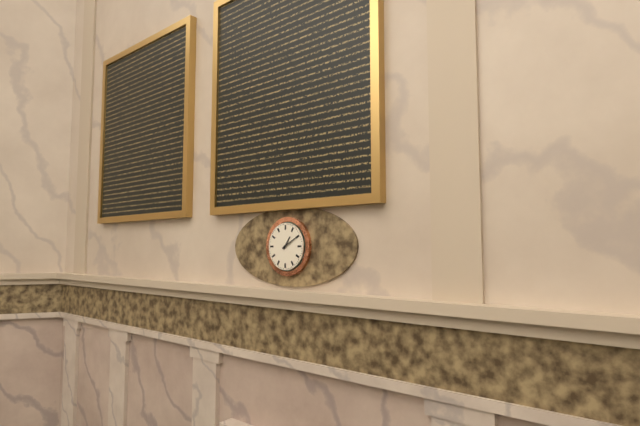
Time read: 1 h 10 min
